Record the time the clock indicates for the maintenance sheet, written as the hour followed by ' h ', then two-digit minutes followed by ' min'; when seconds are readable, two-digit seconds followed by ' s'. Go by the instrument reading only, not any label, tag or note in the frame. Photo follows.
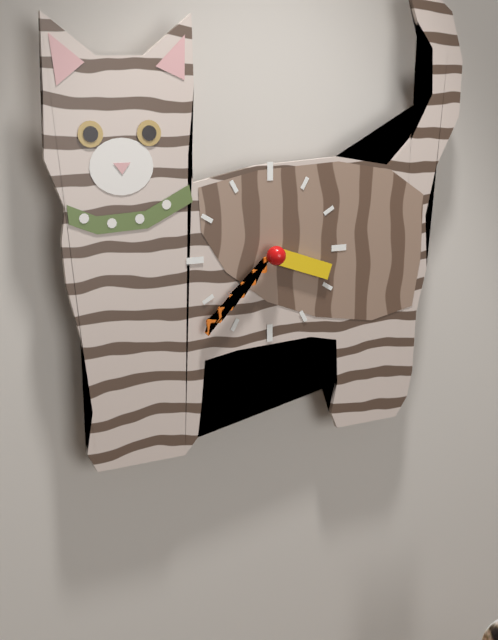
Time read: 3 h 38 min
